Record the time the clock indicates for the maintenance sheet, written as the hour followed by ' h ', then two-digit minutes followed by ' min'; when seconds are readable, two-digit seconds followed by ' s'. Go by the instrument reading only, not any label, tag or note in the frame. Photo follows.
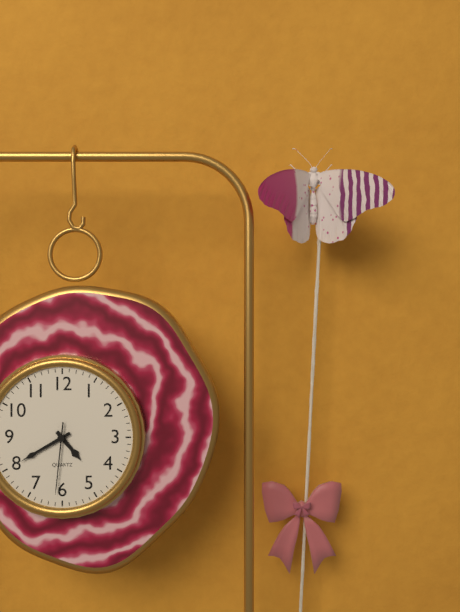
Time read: 4 h 40 min 31 s
